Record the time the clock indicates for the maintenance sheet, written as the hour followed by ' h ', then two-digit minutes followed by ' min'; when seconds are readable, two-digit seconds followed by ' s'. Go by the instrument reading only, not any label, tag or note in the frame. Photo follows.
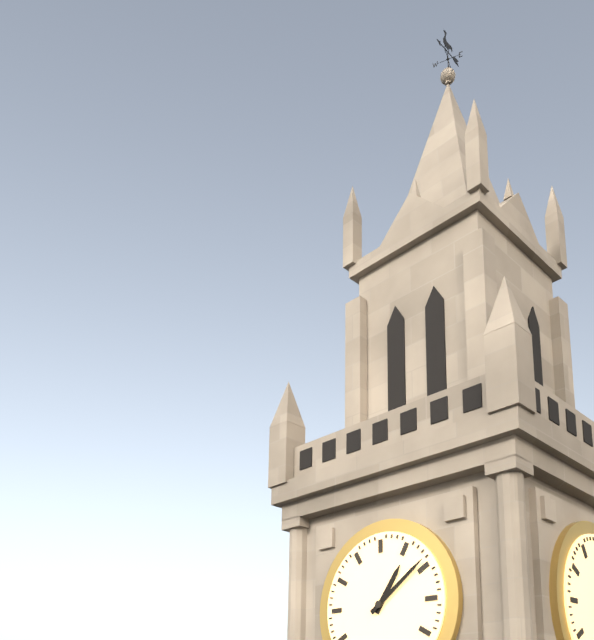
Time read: 1 h 09 min
